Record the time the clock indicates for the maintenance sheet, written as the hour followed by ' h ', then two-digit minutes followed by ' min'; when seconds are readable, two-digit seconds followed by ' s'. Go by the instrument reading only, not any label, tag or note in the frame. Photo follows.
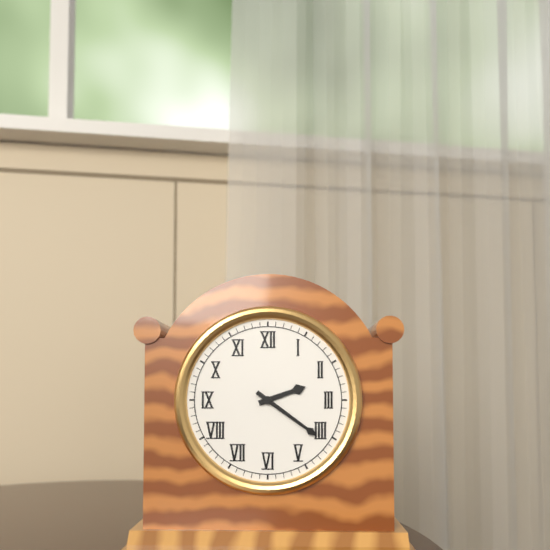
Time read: 2 h 21 min
